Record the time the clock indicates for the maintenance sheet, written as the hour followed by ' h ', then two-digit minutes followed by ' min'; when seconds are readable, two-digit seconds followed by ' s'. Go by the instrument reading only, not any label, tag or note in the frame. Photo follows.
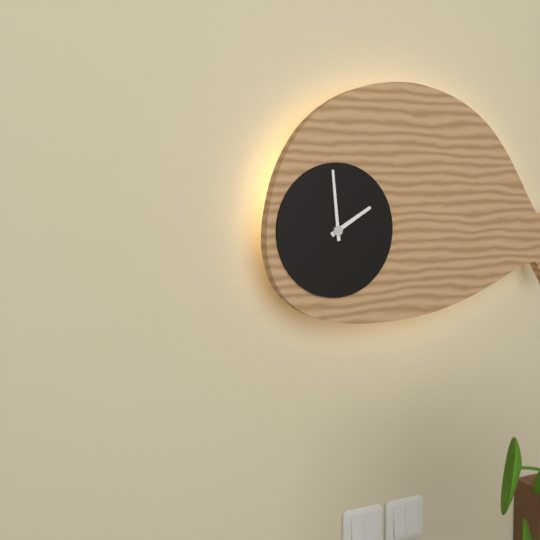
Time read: 1 h 59 min
